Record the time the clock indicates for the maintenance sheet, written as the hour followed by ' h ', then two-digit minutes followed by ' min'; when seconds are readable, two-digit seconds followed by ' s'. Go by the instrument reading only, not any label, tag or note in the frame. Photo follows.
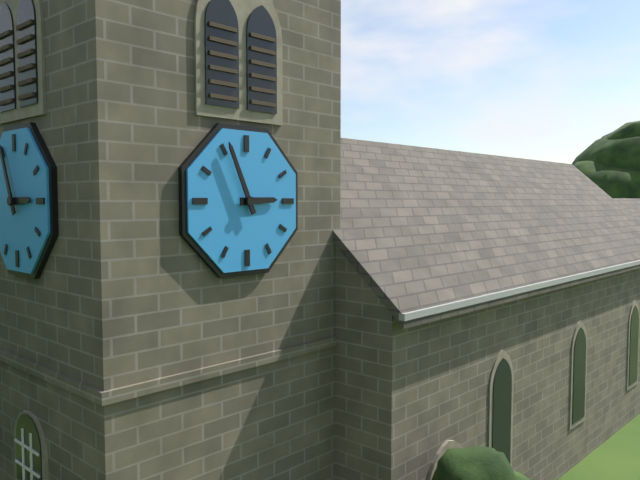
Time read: 2 h 56 min
